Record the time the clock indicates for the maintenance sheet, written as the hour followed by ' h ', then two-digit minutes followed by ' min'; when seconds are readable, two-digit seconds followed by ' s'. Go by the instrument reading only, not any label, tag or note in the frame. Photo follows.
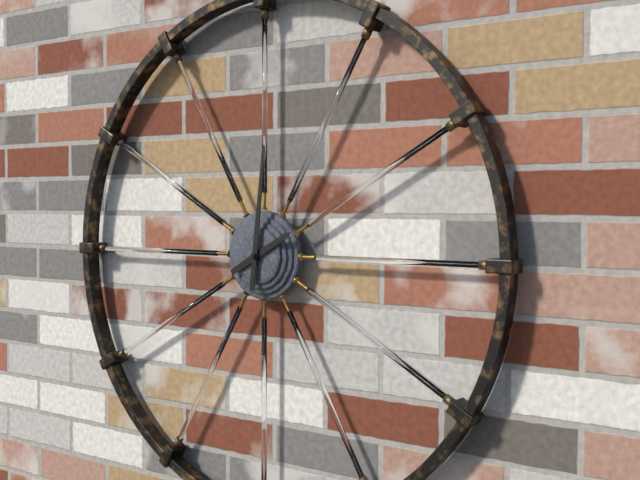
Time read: 2 h 01 min
